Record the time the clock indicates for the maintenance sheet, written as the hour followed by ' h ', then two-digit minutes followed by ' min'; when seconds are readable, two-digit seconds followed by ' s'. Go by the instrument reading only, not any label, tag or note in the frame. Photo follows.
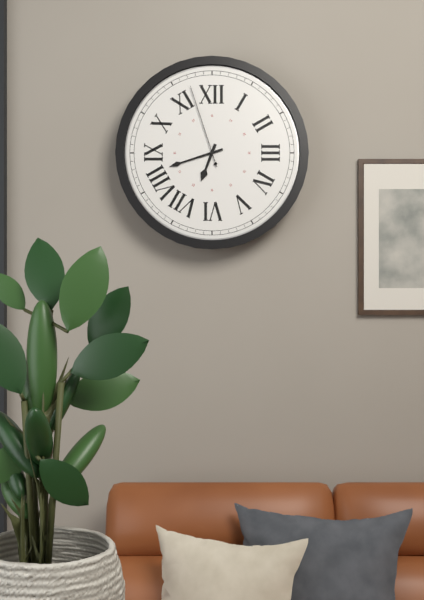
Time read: 6 h 42 min 57 s
